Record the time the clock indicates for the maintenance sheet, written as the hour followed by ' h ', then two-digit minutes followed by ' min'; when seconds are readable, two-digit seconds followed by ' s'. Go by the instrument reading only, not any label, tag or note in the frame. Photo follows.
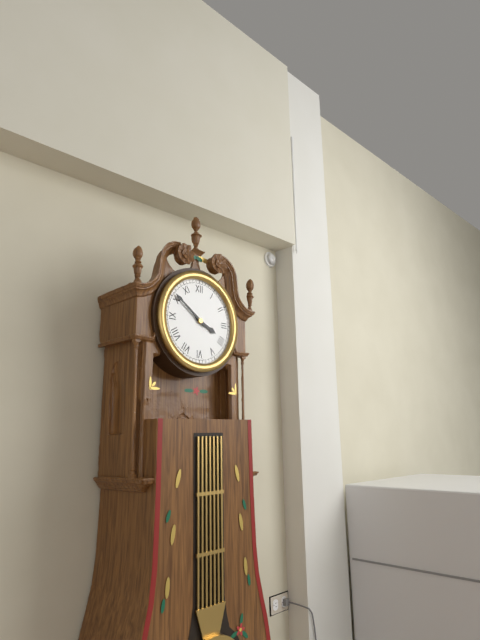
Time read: 3 h 51 min
